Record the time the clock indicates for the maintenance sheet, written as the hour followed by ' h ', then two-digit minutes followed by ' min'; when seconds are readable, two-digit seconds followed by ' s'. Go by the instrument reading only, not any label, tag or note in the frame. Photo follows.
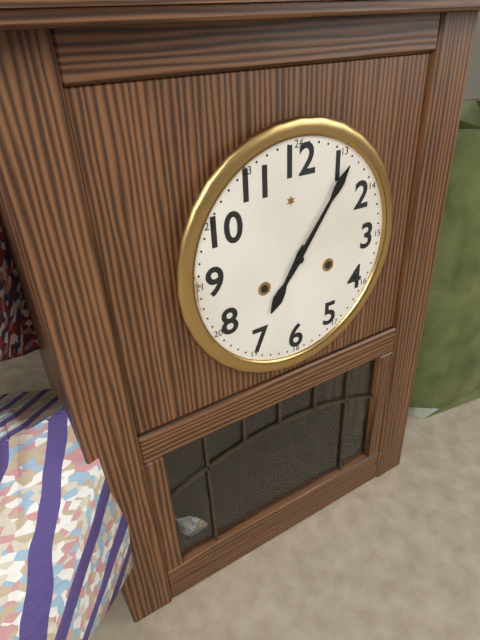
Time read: 7 h 06 min
